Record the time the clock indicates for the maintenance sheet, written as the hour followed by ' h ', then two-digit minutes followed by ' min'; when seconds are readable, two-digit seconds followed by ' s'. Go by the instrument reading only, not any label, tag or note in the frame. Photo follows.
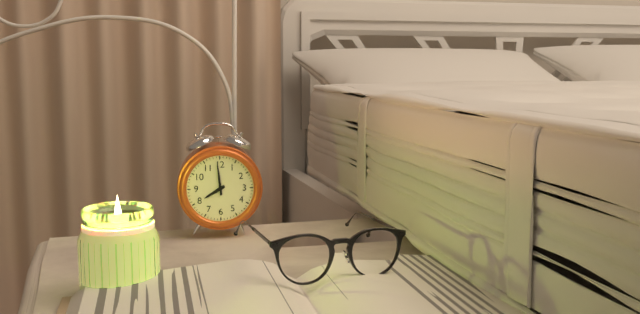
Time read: 7 h 59 min
